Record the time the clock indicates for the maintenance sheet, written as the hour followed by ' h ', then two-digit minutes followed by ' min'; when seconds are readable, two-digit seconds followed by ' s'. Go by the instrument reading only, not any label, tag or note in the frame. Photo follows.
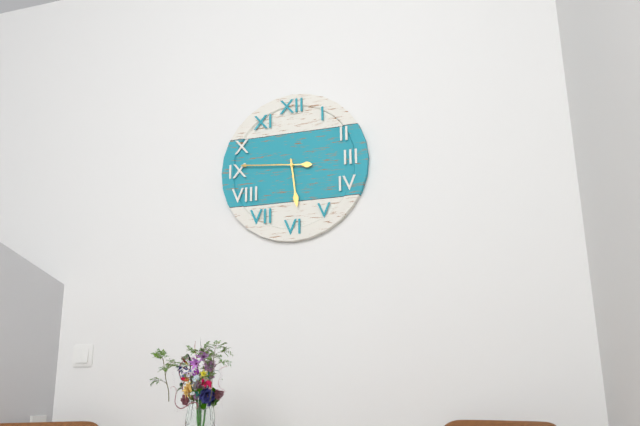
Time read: 5 h 46 min
